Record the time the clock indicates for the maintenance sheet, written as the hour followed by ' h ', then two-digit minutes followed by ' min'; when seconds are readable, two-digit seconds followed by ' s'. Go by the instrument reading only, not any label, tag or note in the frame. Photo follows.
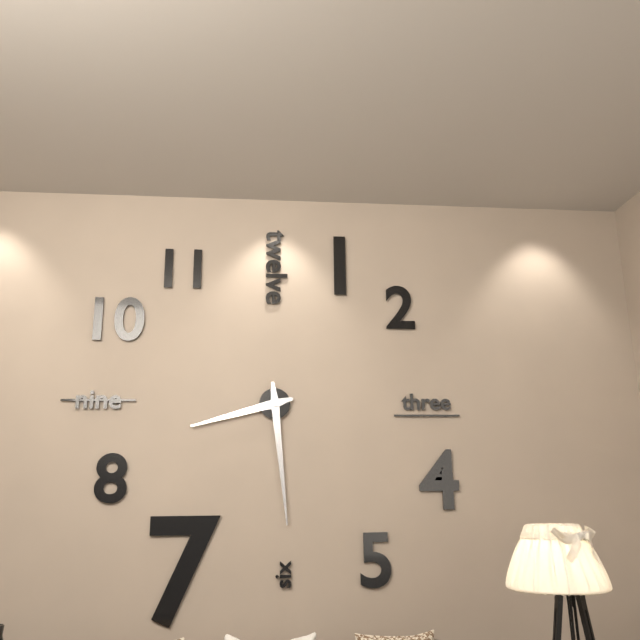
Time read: 8 h 29 min
